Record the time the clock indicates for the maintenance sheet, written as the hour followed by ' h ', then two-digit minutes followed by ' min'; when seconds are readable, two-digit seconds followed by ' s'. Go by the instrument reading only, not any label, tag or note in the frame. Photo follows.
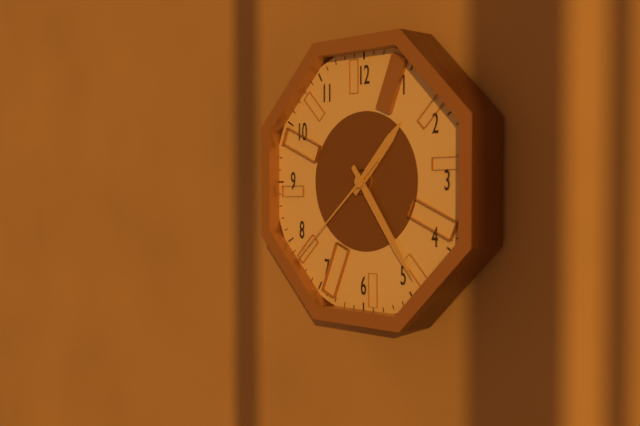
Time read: 1 h 24 min 38 s
